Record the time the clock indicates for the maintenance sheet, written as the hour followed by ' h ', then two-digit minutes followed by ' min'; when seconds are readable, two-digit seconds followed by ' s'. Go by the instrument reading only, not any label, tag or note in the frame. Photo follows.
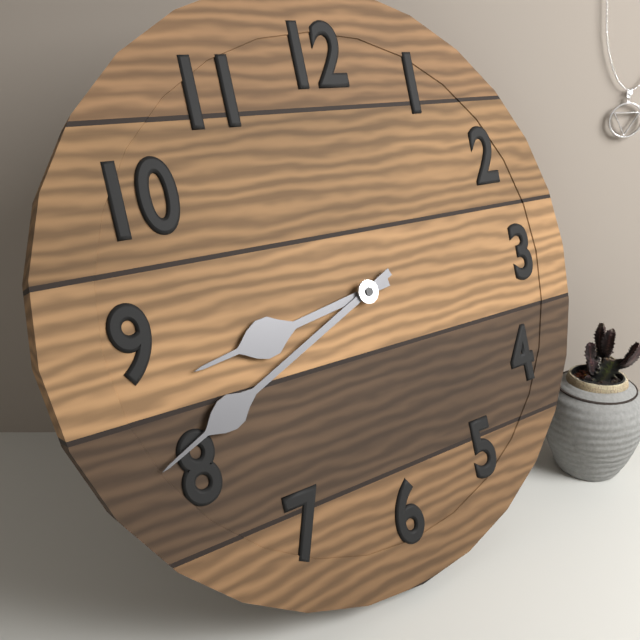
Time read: 8 h 41 min
